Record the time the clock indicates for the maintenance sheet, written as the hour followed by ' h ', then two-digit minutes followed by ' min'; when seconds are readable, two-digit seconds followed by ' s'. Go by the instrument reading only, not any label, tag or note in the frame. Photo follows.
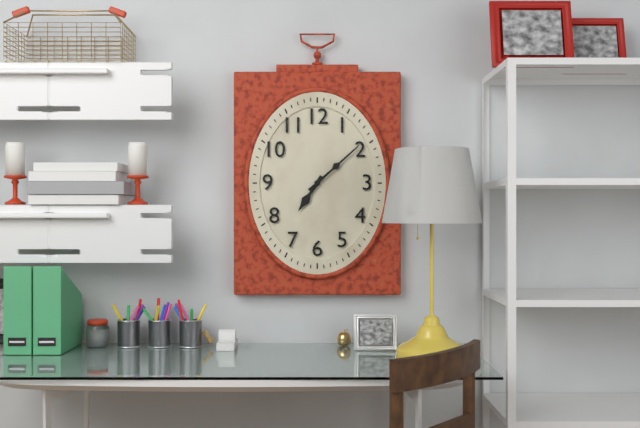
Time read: 7 h 08 min
